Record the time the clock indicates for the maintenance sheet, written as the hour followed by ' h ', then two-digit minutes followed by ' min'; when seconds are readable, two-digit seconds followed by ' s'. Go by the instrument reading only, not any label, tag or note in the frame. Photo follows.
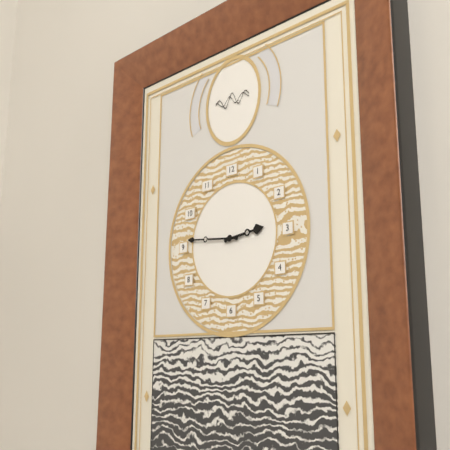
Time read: 2 h 46 min
